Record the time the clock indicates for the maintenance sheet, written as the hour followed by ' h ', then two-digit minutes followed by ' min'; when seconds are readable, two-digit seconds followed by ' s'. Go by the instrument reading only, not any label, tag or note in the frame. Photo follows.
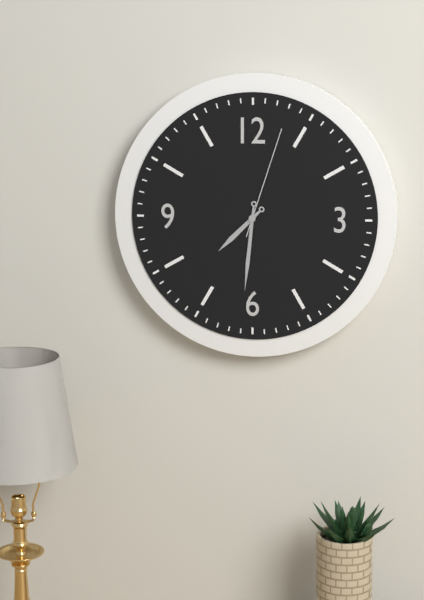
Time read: 7 h 31 min 03 s
